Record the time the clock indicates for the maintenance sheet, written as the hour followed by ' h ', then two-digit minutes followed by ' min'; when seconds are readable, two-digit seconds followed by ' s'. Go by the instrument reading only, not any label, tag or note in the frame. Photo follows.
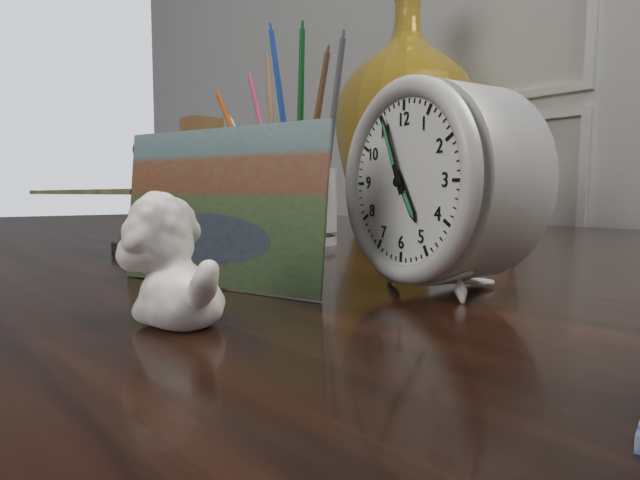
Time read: 4 h 56 min
